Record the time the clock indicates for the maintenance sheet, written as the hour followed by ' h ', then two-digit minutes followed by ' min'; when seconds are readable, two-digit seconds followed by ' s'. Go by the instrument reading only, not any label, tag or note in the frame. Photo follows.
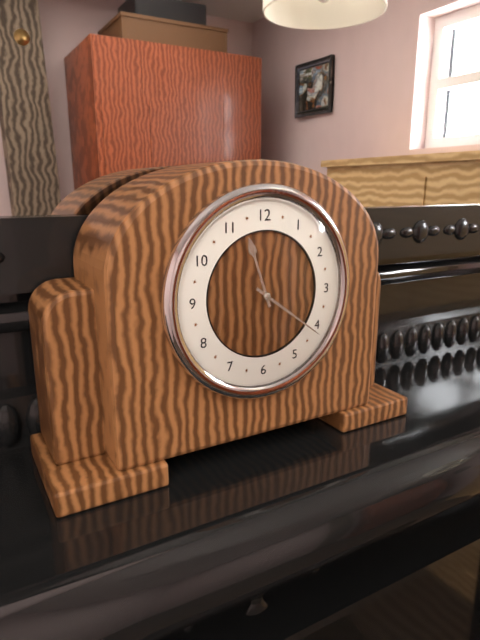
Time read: 11 h 21 min
